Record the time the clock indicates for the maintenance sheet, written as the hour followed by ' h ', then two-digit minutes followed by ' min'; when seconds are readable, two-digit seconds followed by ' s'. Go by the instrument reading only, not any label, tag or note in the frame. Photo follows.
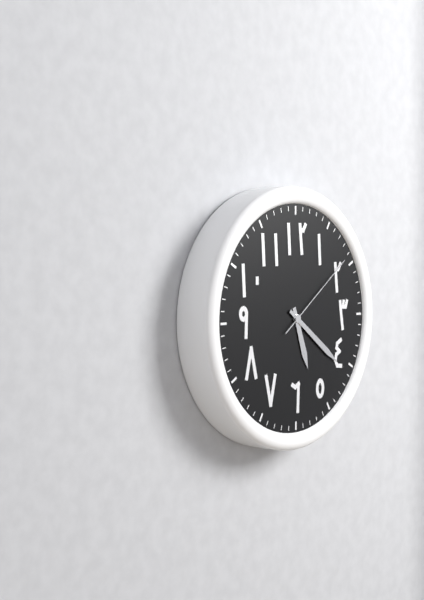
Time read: 5 h 21 min 09 s
